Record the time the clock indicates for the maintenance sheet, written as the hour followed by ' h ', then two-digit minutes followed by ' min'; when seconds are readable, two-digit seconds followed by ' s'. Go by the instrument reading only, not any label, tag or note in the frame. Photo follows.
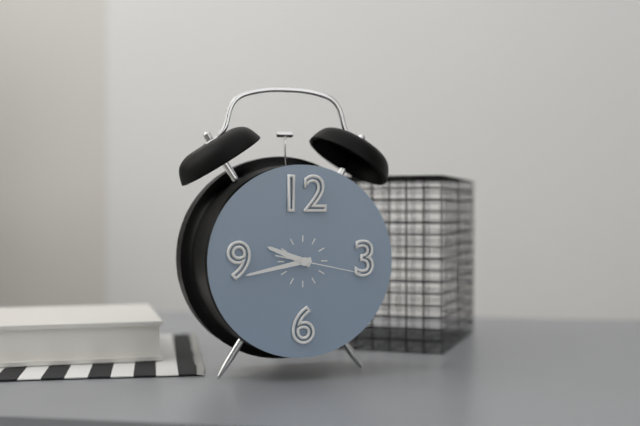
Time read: 9 h 43 min 17 s
